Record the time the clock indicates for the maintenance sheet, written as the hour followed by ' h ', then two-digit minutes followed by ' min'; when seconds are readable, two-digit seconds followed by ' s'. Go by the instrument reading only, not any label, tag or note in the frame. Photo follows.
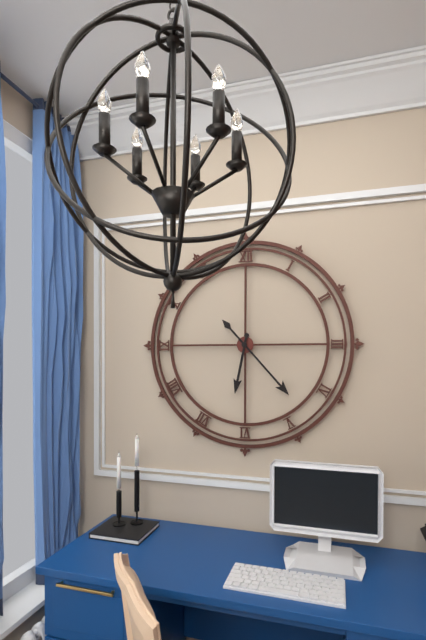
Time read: 6 h 23 min
